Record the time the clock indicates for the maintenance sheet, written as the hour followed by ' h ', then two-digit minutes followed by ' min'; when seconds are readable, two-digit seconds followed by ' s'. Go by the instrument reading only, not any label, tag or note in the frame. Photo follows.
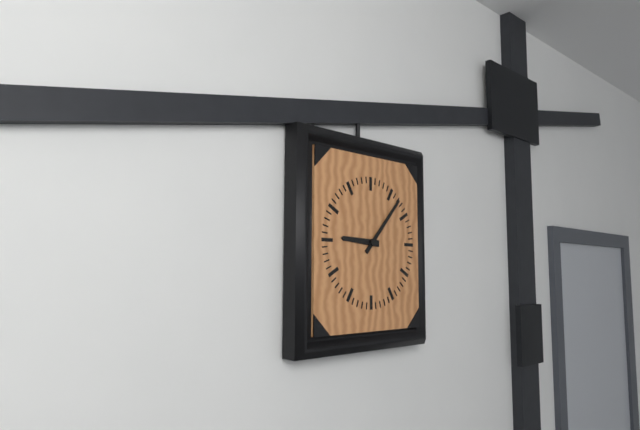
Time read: 9 h 07 min
